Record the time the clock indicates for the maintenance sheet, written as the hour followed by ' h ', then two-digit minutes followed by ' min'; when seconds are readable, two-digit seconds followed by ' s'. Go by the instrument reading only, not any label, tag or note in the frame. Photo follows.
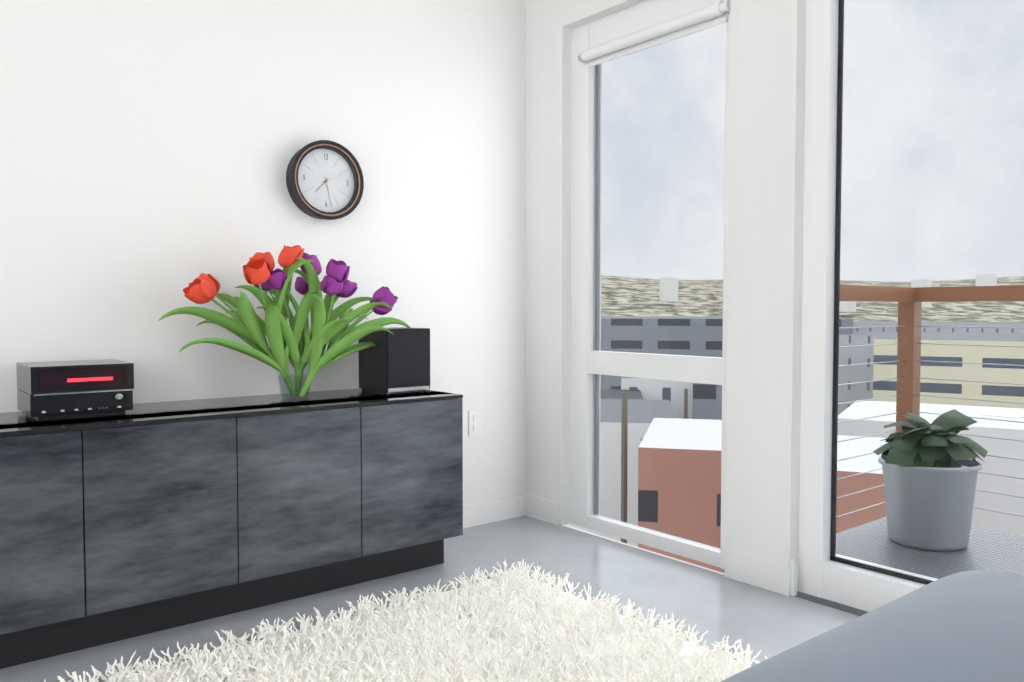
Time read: 7 h 28 min
